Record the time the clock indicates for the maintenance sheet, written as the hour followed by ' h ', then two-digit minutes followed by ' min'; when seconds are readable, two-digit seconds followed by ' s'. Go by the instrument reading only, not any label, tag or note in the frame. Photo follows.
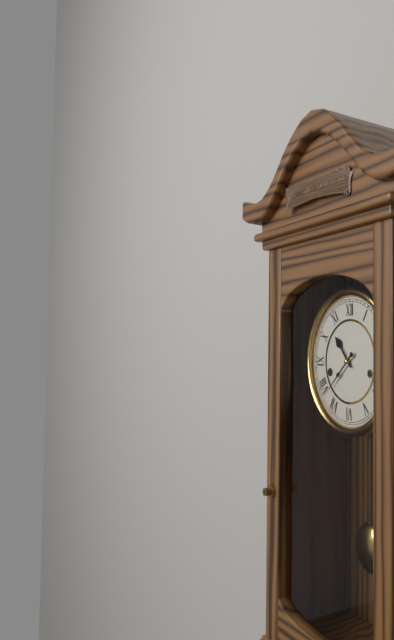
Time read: 10 h 38 min
